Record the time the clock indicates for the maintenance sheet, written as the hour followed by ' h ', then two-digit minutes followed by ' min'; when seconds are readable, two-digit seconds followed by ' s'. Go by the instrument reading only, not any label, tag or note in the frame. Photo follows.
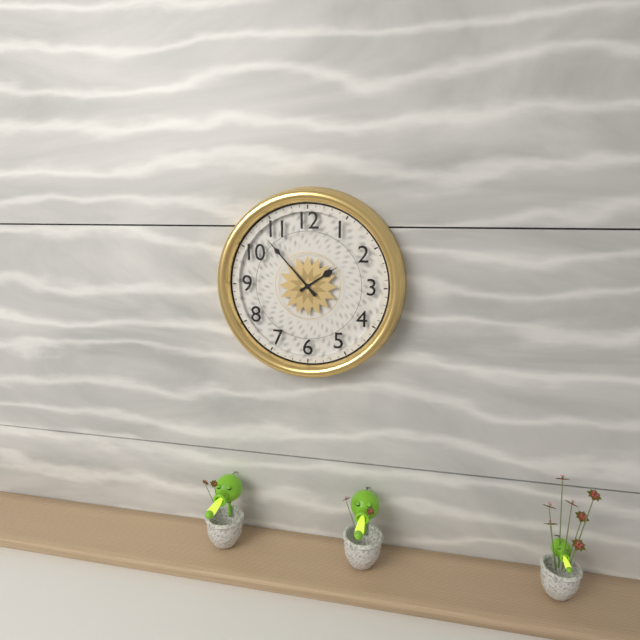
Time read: 1 h 53 min
